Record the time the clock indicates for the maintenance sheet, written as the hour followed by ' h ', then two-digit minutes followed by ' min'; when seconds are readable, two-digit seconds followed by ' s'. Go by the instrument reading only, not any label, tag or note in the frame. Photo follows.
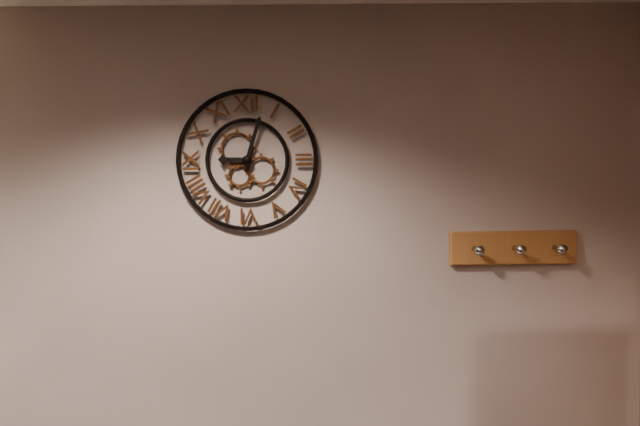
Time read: 9 h 03 min
